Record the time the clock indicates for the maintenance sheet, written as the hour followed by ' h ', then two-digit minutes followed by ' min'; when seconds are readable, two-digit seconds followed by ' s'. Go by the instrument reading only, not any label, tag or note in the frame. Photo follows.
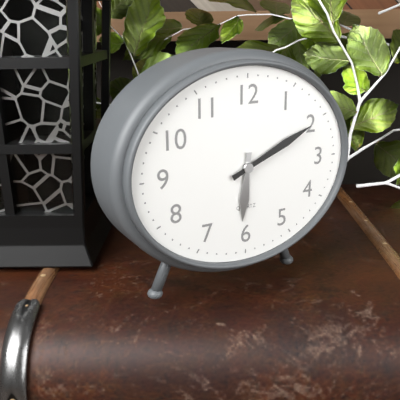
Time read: 6 h 11 min
